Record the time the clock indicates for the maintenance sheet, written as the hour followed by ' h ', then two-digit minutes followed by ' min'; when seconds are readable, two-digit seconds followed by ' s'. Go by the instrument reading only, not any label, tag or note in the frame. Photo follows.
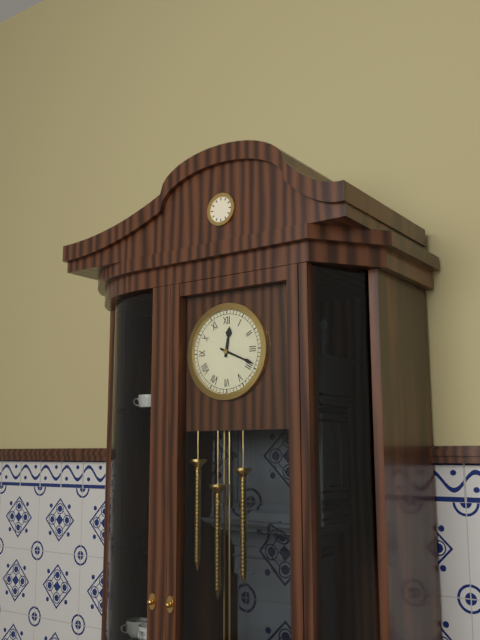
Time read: 12 h 19 min
